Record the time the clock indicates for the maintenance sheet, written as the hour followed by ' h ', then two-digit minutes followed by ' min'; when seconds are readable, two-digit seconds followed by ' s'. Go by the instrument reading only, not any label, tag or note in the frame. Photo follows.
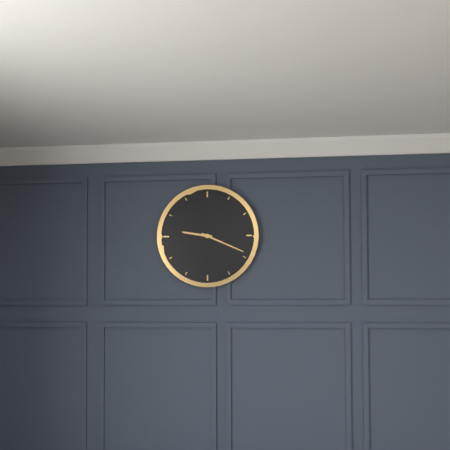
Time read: 9 h 19 min
